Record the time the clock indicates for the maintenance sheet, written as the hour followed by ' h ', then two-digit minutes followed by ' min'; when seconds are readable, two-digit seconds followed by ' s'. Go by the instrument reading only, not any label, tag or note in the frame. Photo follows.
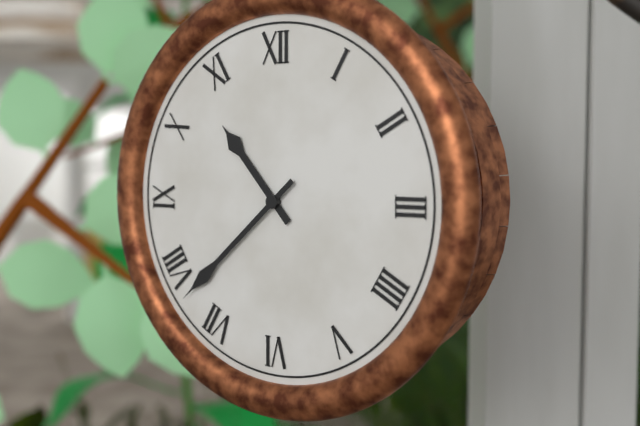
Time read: 10 h 38 min
